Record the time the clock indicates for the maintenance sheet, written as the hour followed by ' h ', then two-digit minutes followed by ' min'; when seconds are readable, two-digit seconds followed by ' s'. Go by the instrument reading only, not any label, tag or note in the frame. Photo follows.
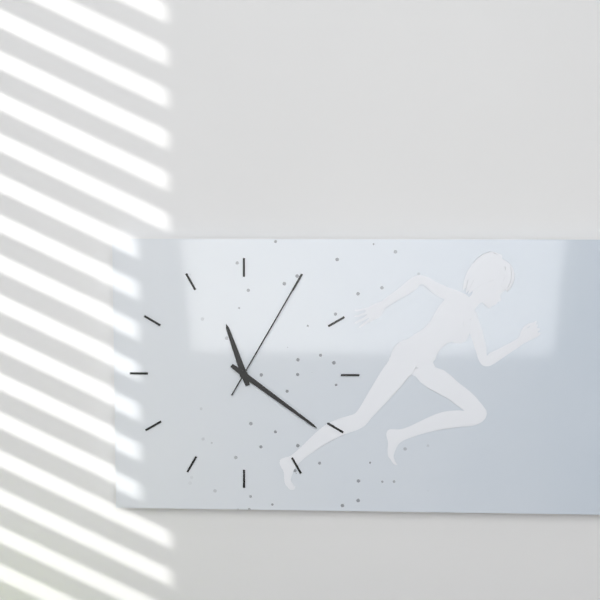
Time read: 11 h 21 min 05 s
